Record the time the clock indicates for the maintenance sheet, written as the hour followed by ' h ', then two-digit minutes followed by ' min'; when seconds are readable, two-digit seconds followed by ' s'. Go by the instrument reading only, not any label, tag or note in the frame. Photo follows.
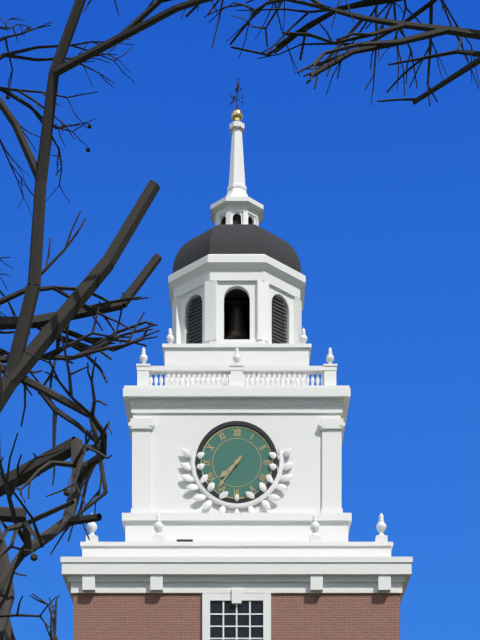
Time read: 7 h 36 min
